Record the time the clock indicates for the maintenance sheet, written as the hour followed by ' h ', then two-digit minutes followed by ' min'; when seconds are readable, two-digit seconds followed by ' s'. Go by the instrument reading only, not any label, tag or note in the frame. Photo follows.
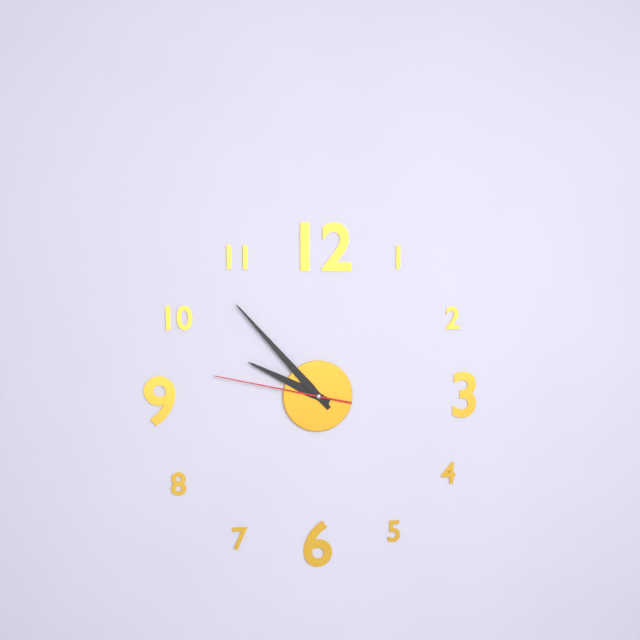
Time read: 9 h 53 min 47 s
